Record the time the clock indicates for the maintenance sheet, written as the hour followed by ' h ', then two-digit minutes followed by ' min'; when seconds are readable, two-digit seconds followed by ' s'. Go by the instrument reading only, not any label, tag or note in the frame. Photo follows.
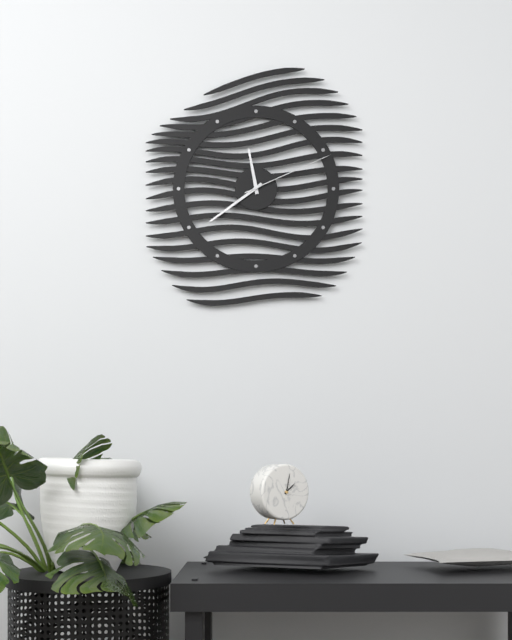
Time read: 11 h 39 min 11 s
